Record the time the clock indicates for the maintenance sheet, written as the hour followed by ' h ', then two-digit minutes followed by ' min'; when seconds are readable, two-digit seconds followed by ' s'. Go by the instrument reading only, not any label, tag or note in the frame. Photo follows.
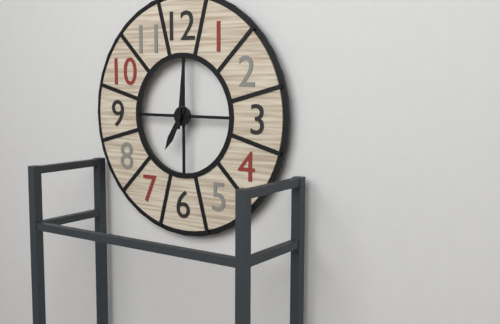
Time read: 7 h 01 min
